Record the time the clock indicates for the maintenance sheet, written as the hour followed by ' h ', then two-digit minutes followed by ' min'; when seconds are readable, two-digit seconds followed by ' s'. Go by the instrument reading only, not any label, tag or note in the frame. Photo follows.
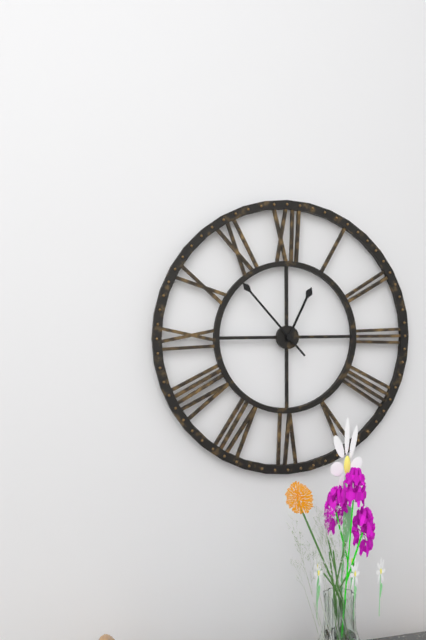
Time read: 12 h 53 min
